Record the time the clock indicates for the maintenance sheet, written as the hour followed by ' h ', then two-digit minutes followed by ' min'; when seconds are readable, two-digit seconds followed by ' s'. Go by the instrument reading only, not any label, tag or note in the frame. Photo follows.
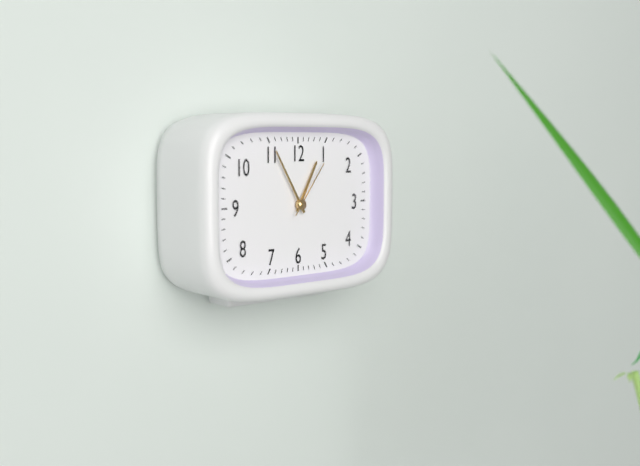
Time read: 12 h 55 min 06 s
